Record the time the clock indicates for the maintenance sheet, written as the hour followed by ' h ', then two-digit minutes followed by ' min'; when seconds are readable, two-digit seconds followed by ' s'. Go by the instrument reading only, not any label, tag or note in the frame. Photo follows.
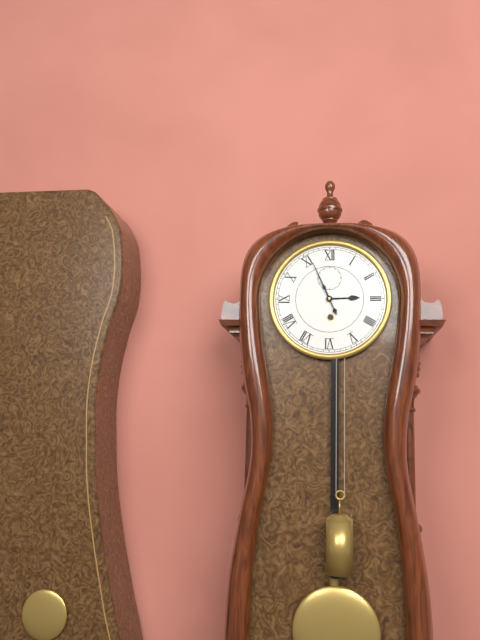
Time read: 2 h 56 min
